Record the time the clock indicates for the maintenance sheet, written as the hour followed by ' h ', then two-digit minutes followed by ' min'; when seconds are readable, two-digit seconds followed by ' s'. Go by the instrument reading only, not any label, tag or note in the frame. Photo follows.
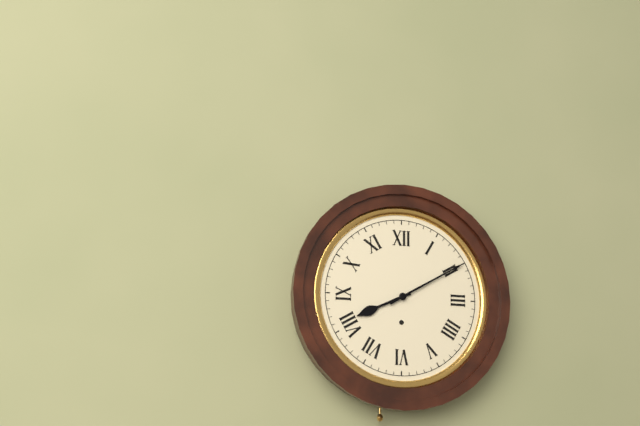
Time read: 8 h 10 min
